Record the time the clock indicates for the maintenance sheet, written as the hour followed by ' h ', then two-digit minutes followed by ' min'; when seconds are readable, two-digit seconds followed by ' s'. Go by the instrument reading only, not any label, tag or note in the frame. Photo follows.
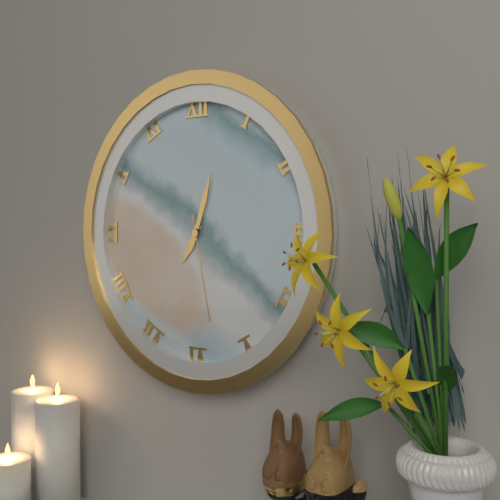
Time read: 7 h 03 min 28 s
